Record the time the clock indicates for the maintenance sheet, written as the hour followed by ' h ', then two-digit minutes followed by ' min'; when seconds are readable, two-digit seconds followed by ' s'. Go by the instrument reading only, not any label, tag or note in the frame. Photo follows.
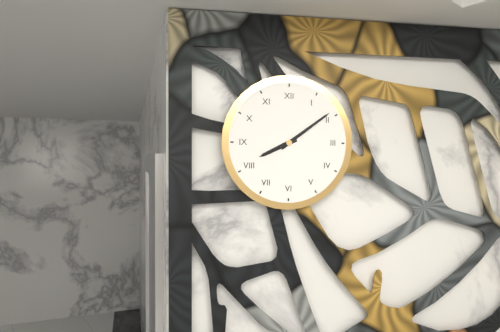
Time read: 8 h 09 min
